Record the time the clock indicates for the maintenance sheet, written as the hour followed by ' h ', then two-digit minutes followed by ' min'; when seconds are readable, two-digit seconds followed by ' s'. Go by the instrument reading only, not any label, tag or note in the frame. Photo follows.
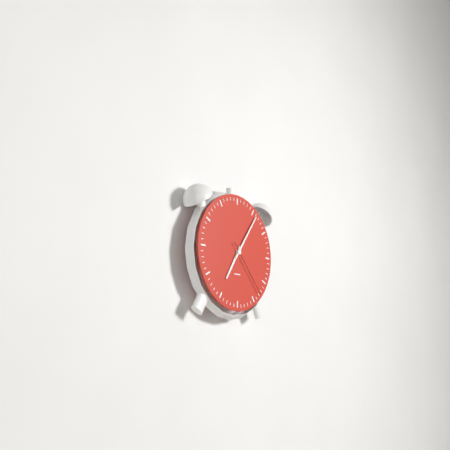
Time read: 7 h 06 min 23 s
